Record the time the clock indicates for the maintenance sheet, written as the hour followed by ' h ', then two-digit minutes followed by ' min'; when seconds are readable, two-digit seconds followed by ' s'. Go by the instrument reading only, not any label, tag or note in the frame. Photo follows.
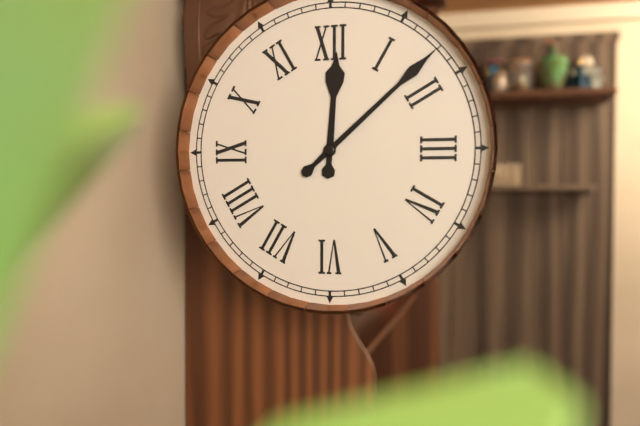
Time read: 12 h 08 min
